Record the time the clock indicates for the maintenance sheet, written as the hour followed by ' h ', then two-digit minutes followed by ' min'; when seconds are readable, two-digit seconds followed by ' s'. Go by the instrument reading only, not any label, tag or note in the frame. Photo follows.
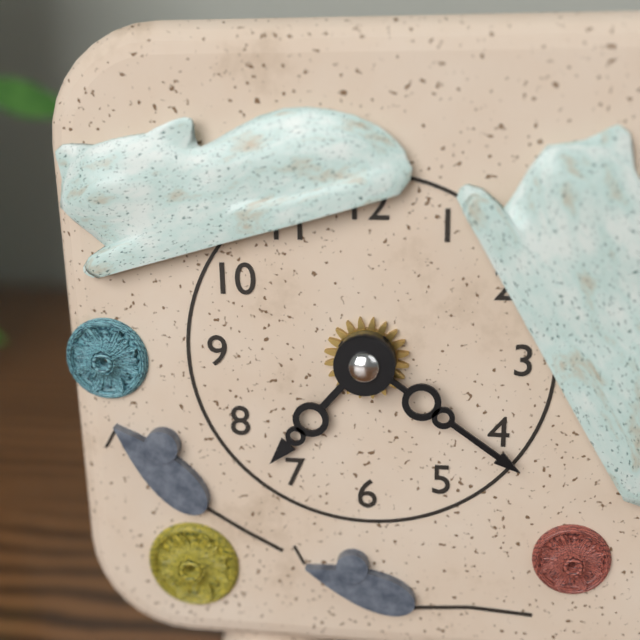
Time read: 7 h 21 min
